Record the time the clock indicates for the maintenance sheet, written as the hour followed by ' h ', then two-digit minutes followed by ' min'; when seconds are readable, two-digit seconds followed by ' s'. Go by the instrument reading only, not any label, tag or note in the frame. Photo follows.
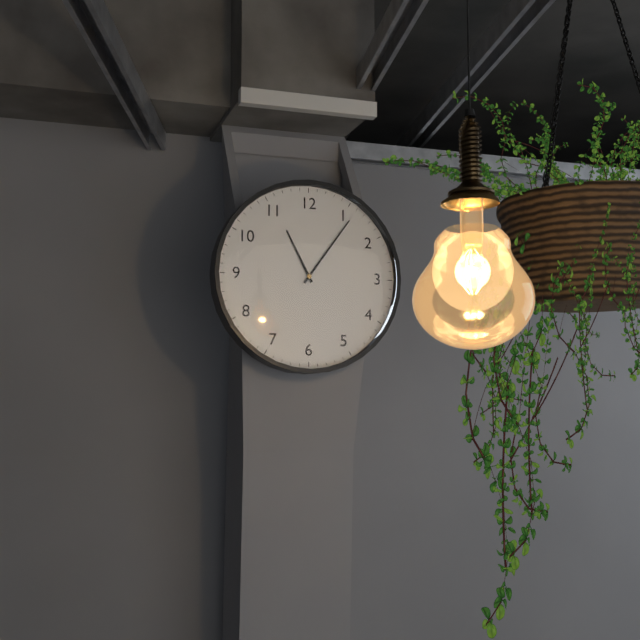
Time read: 11 h 06 min
